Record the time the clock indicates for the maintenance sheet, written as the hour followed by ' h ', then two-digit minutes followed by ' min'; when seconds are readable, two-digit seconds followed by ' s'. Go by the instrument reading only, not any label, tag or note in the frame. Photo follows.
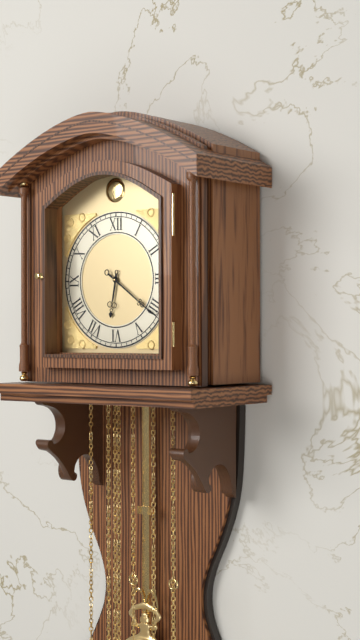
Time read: 6 h 21 min
